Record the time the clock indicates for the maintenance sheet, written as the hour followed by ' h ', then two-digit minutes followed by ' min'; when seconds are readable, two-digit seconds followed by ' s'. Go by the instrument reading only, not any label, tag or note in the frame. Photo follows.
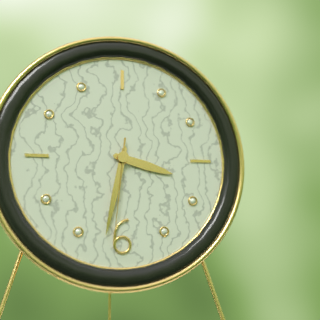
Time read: 3 h 32 min 31 s
